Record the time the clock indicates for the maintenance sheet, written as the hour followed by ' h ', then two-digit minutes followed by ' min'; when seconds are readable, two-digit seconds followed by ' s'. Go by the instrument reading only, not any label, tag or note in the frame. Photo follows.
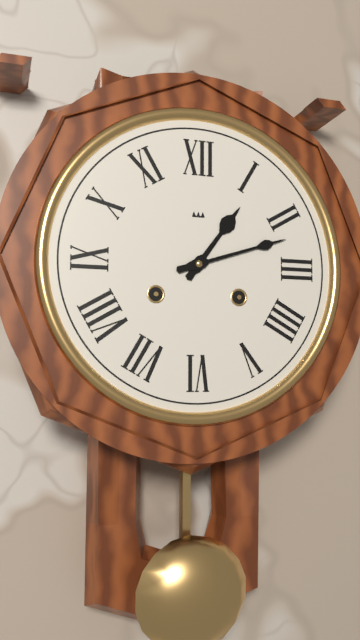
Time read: 1 h 12 min
